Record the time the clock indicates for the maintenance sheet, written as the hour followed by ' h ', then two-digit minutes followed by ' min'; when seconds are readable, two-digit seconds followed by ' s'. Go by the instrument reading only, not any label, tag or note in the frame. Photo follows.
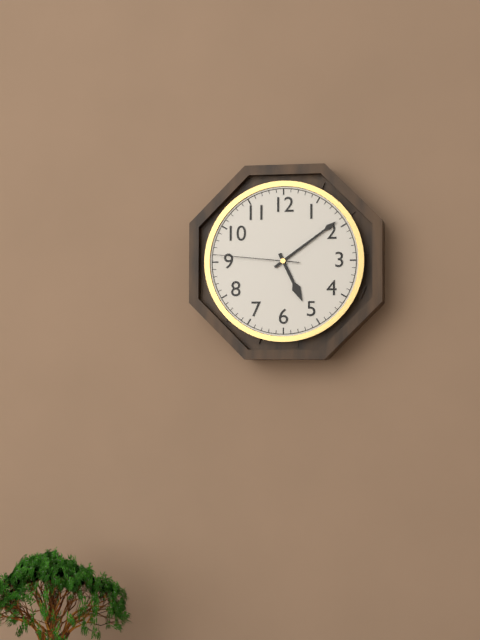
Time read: 5 h 09 min 46 s
